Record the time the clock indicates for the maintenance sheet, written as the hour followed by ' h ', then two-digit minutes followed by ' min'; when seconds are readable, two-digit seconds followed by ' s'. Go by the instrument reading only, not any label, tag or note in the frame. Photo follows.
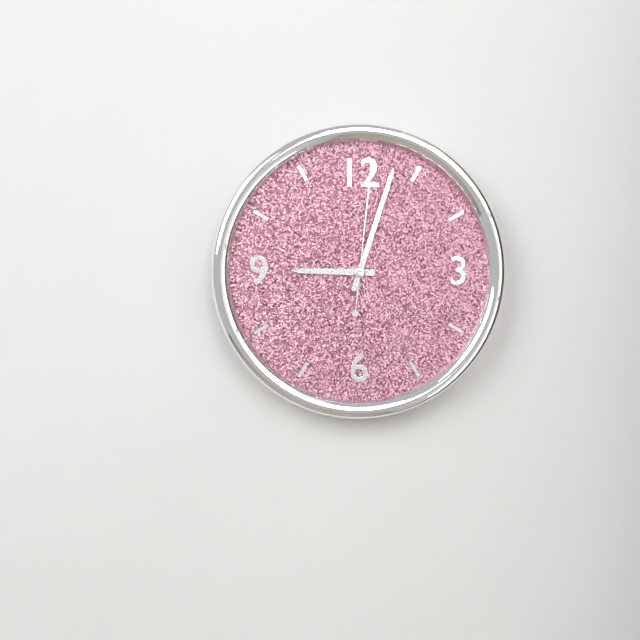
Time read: 9 h 03 min 01 s
